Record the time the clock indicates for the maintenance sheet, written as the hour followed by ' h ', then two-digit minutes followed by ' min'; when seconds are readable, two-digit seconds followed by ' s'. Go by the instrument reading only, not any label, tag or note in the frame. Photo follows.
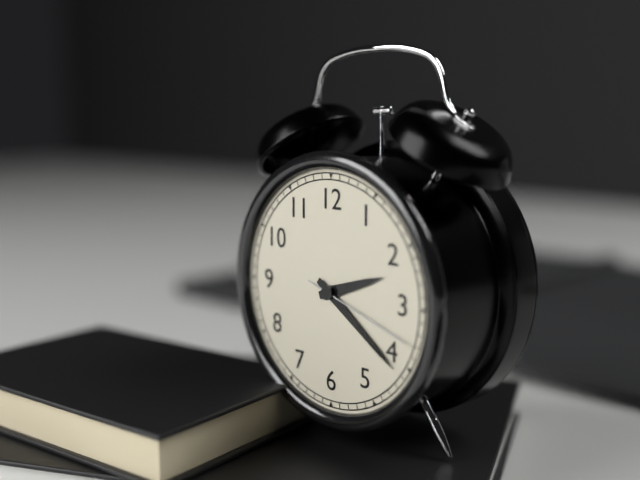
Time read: 2 h 21 min 18 s
